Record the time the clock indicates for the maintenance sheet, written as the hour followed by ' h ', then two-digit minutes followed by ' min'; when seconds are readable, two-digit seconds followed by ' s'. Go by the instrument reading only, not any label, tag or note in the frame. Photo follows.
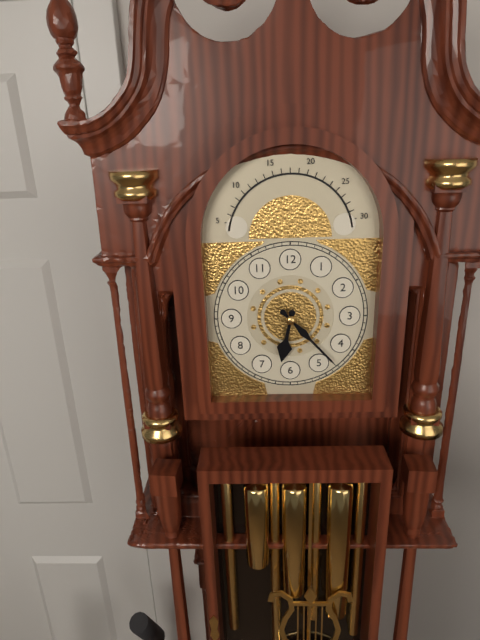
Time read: 6 h 23 min
